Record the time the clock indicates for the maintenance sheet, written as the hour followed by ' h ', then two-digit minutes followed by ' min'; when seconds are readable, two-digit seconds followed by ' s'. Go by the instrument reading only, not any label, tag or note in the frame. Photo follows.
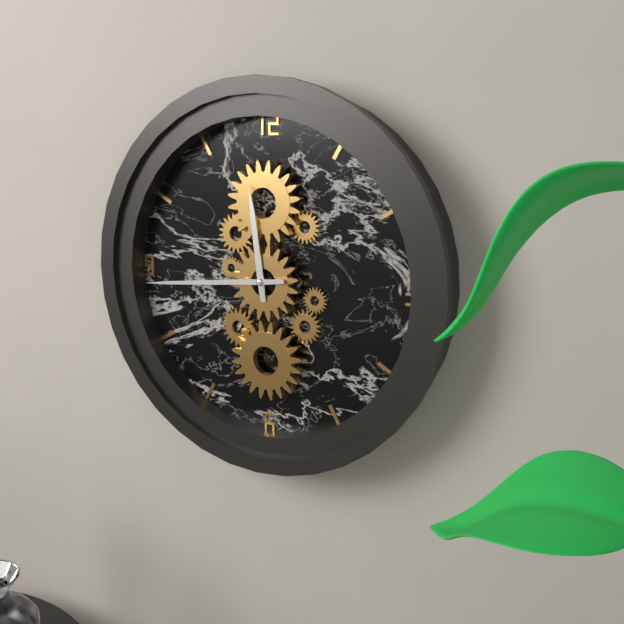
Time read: 11 h 44 min
